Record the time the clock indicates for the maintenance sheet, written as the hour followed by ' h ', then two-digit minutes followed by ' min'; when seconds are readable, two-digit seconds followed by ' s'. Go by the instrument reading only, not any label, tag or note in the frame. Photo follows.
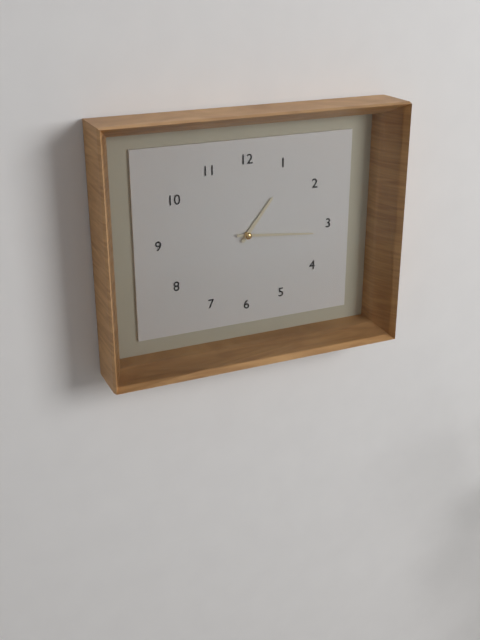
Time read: 1 h 16 min
